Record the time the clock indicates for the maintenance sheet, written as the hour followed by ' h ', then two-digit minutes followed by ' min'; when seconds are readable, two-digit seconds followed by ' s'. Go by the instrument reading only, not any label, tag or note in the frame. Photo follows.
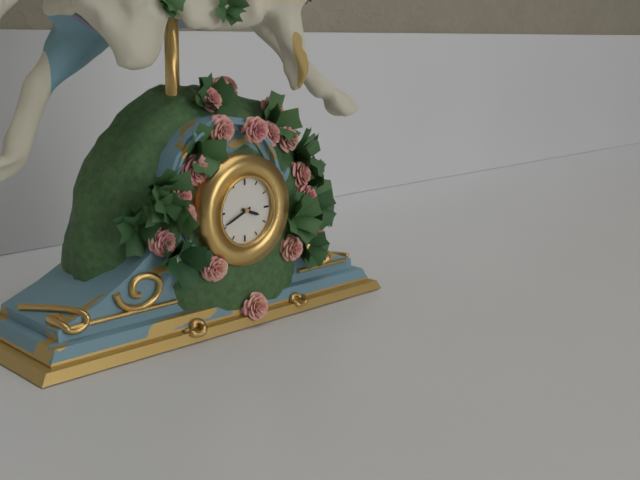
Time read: 3 h 41 min
